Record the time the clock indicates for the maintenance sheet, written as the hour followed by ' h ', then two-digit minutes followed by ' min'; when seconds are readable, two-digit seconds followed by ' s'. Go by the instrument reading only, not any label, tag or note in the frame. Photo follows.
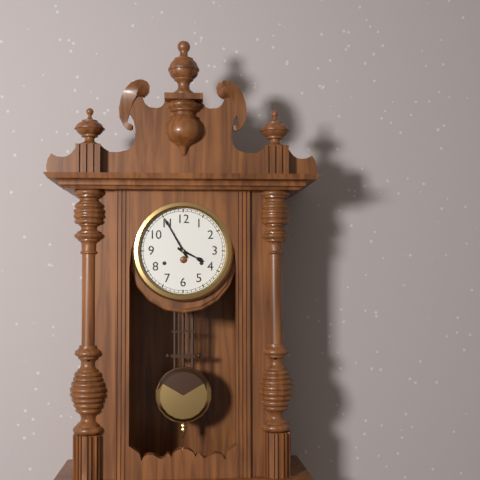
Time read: 3 h 55 min
